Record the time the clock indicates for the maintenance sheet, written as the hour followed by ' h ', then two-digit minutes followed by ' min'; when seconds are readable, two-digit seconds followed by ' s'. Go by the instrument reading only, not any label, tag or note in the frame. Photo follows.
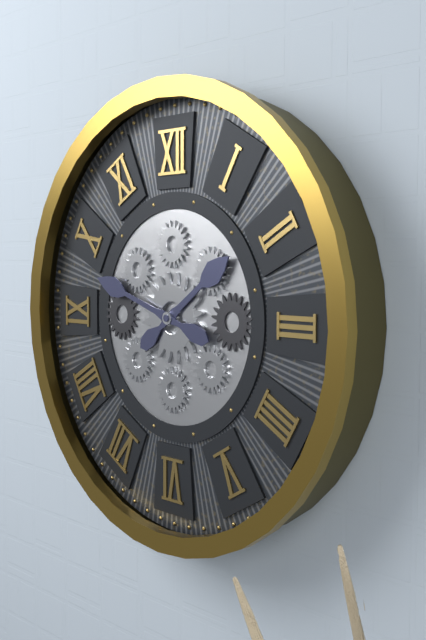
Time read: 1 h 48 min
